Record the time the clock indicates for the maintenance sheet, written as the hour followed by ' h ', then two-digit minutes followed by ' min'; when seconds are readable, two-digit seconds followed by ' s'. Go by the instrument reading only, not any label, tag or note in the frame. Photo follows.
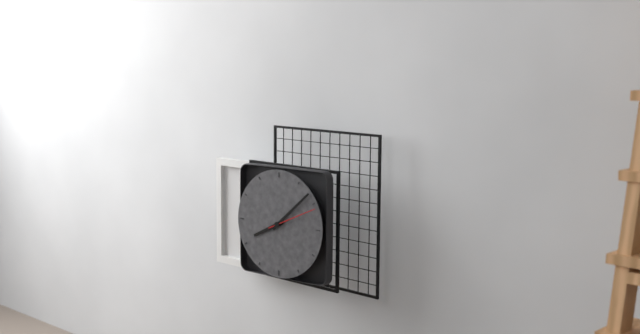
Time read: 8 h 08 min
